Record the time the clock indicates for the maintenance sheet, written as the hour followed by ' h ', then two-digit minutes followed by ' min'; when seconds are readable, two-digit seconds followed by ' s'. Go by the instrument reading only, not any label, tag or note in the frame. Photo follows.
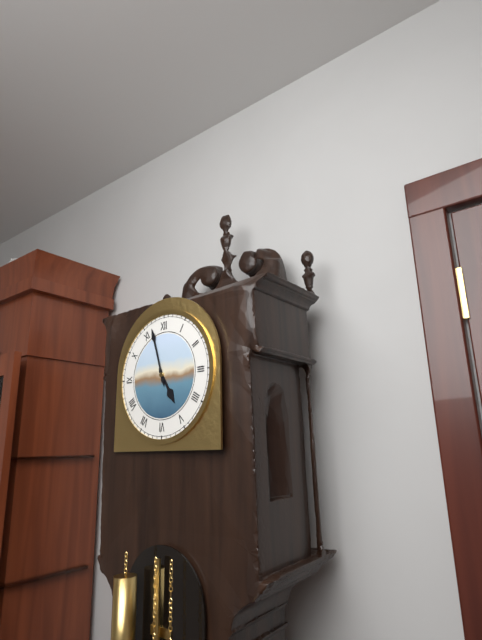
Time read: 4 h 57 min
